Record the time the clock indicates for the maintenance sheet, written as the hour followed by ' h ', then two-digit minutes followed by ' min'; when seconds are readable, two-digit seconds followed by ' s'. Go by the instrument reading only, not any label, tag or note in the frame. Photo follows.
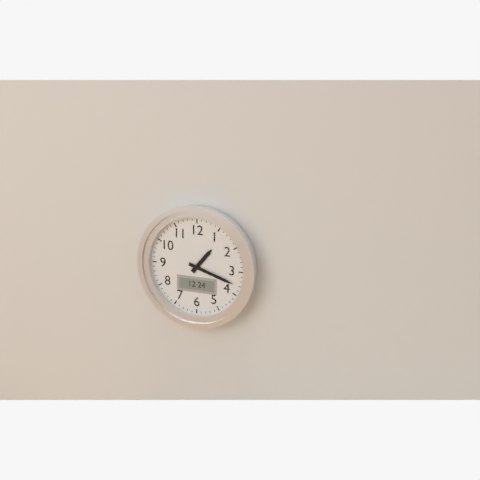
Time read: 1 h 18 min
